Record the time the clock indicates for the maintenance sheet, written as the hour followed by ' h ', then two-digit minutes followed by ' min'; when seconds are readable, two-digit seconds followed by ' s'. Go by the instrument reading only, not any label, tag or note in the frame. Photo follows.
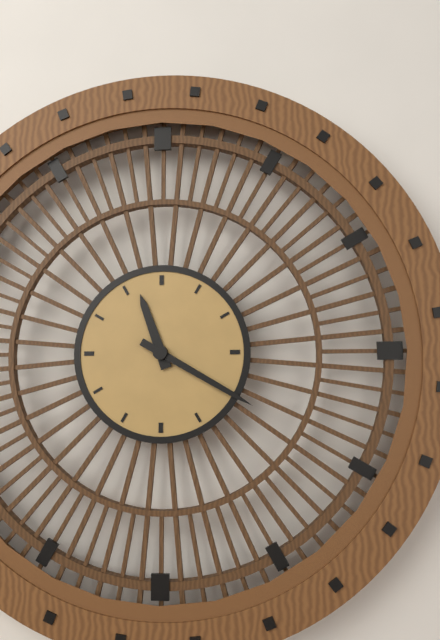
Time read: 11 h 20 min
